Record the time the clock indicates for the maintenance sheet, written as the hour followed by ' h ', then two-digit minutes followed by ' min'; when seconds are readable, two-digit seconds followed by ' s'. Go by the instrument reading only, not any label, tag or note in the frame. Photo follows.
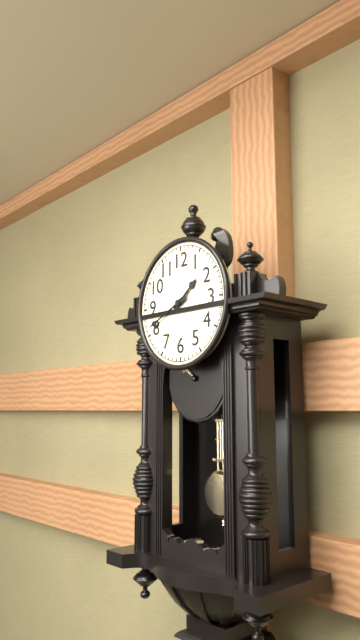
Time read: 1 h 41 min
